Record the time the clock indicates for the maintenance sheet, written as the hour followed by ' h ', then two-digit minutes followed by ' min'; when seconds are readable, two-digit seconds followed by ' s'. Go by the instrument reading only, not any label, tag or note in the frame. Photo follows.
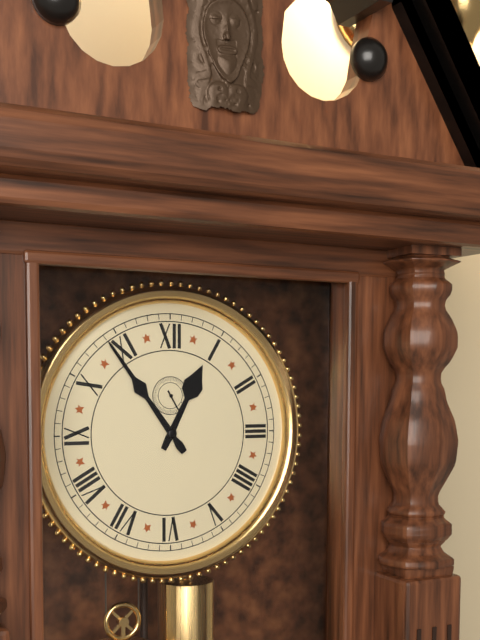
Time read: 12 h 54 min
